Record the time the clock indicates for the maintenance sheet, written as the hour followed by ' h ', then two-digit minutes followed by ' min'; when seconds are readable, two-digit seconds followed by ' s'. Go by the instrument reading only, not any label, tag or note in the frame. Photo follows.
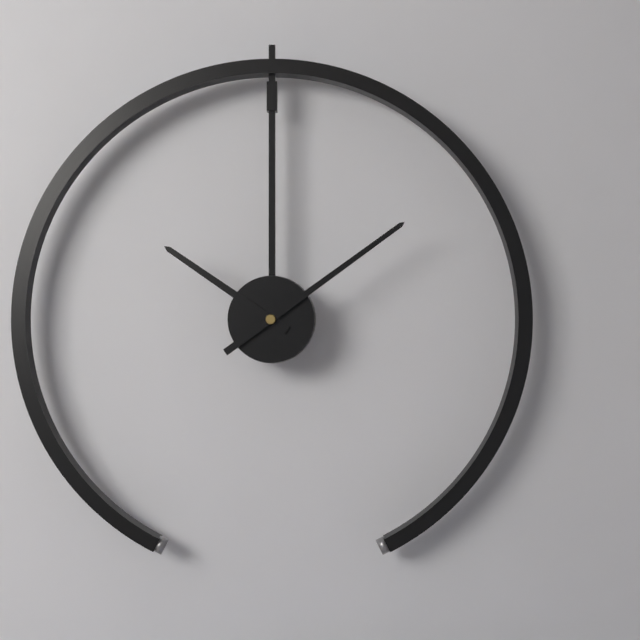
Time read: 10 h 09 min
